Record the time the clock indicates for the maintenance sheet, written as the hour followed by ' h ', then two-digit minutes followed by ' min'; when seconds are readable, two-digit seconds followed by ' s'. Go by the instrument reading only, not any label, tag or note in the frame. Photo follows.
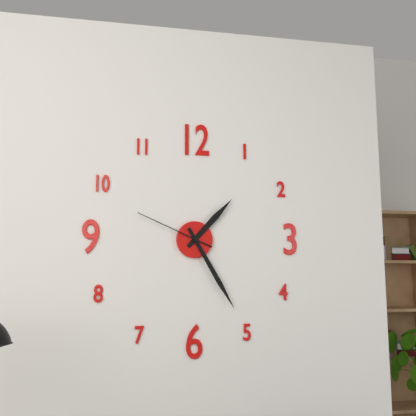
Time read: 1 h 25 min 49 s
